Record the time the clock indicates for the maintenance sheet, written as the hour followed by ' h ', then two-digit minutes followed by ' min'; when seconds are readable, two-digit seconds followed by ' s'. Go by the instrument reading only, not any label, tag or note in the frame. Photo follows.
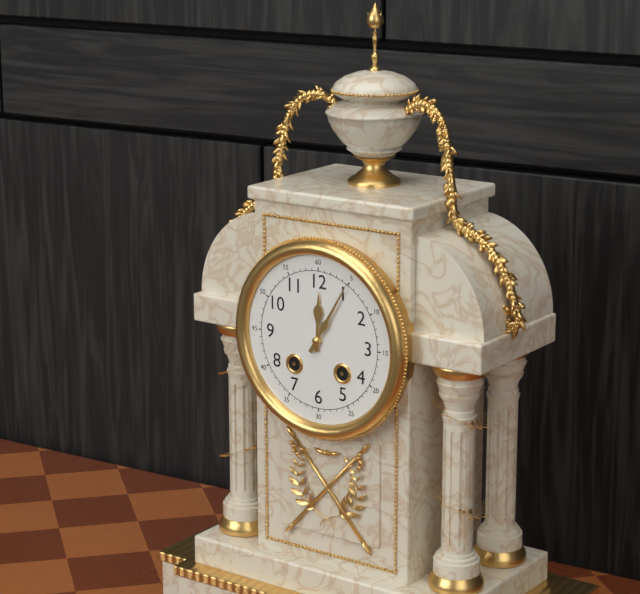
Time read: 12 h 05 min
